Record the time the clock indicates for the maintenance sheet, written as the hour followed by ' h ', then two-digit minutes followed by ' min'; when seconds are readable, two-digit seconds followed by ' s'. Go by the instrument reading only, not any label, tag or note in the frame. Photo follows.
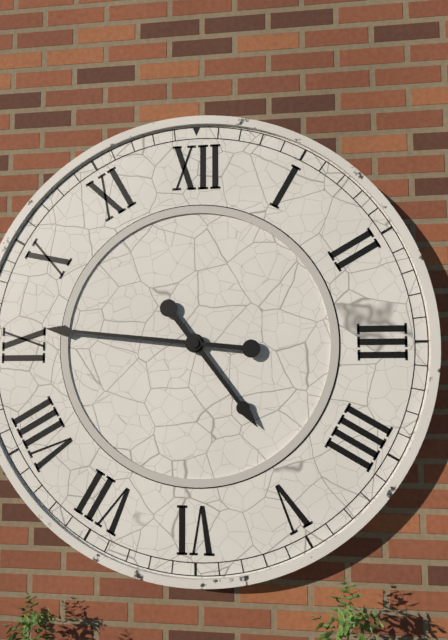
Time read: 4 h 46 min
